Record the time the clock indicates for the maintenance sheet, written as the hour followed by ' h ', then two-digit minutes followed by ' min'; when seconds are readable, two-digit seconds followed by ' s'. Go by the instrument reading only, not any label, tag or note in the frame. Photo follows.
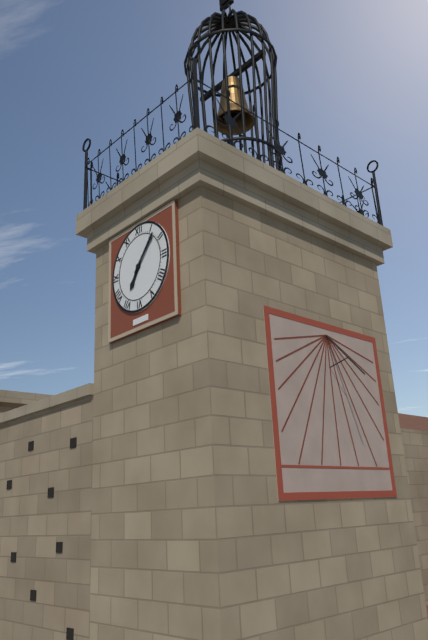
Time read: 7 h 07 min
